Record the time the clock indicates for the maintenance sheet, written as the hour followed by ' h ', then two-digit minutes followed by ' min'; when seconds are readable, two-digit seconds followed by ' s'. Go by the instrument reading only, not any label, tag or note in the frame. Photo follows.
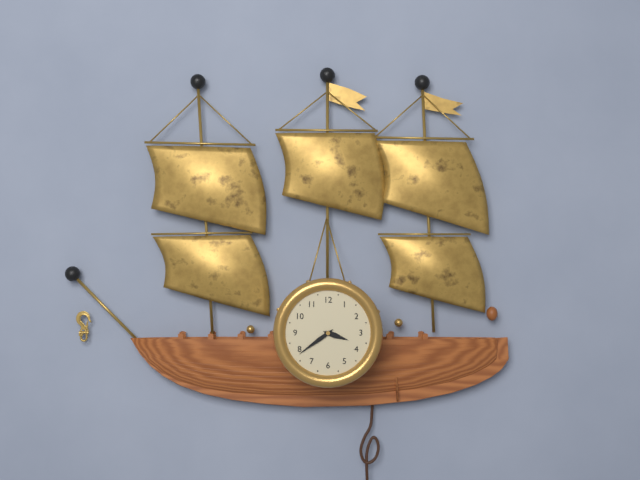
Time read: 3 h 39 min
